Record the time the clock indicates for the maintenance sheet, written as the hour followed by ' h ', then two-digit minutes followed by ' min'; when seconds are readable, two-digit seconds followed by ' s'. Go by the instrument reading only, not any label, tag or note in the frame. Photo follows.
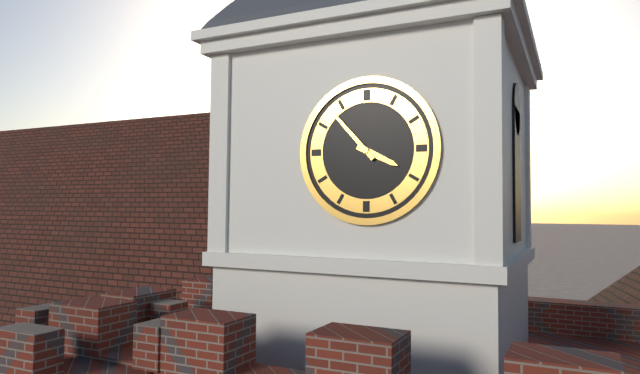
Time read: 3 h 53 min
